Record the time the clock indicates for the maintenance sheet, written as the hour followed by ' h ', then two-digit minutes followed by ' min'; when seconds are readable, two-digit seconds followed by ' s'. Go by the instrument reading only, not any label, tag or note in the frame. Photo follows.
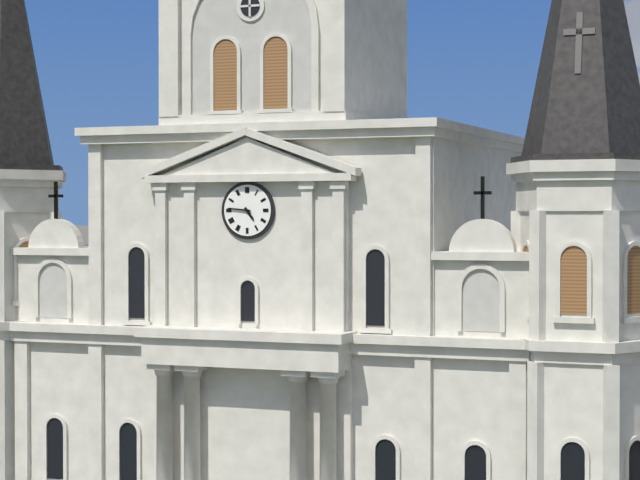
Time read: 4 h 46 min
